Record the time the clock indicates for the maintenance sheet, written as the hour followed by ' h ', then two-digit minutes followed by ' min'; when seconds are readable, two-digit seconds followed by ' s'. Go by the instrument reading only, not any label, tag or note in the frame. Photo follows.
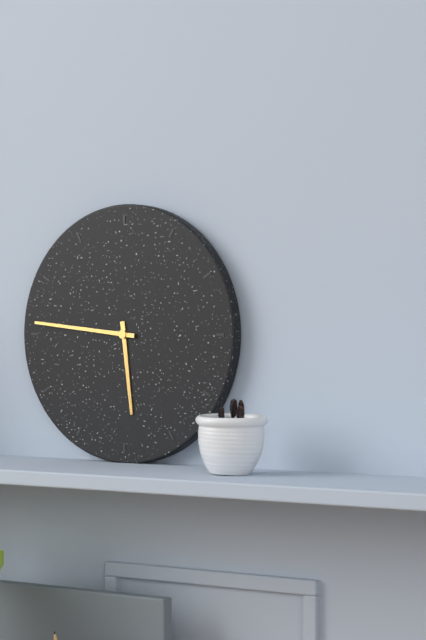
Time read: 5 h 46 min
